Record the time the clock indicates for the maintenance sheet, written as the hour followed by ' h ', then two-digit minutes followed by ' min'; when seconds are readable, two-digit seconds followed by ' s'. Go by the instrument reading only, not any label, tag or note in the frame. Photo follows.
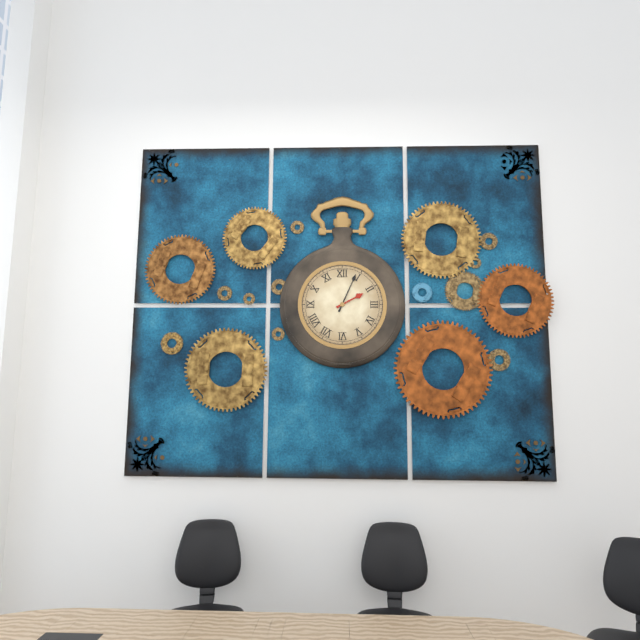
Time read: 2 h 04 min
